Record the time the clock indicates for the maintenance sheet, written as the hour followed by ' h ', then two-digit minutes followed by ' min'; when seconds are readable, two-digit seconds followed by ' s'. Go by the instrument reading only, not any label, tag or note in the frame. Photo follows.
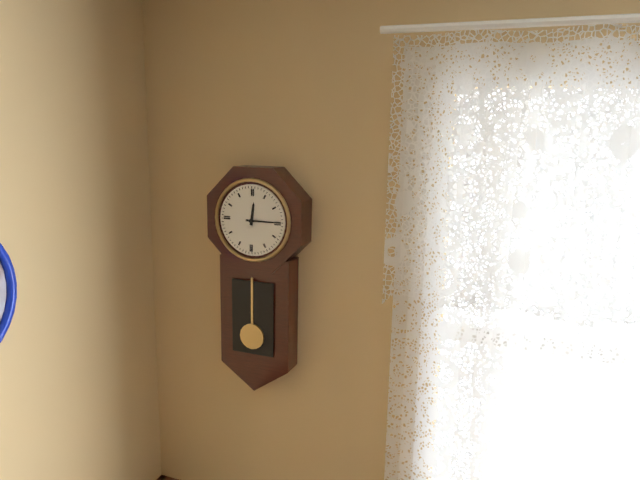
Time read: 12 h 15 min
